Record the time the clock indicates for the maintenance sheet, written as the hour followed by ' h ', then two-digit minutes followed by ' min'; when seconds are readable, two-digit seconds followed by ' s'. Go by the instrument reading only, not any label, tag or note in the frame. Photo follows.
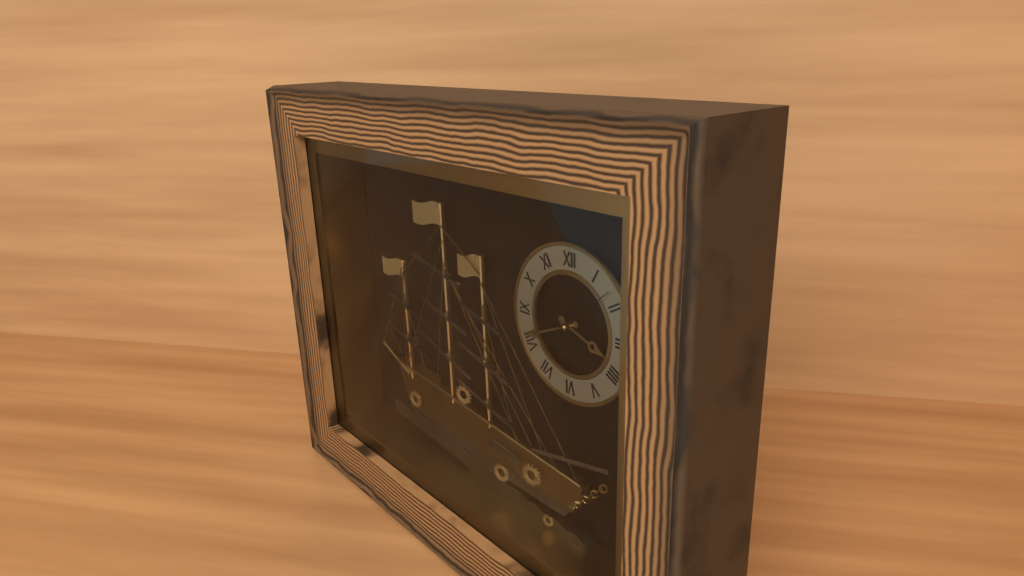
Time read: 3 h 41 min 08 s
